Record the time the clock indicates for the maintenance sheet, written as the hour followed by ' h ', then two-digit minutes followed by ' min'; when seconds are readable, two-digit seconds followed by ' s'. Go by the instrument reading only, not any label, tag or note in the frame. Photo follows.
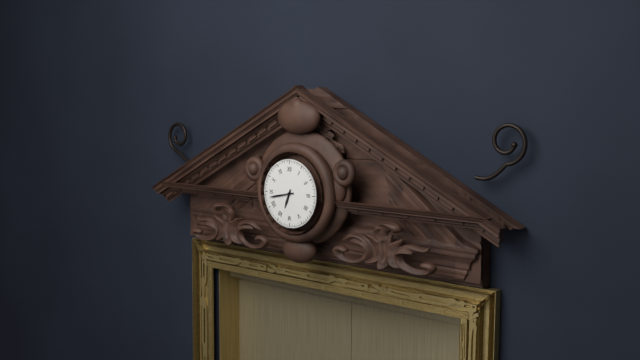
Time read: 6 h 43 min
